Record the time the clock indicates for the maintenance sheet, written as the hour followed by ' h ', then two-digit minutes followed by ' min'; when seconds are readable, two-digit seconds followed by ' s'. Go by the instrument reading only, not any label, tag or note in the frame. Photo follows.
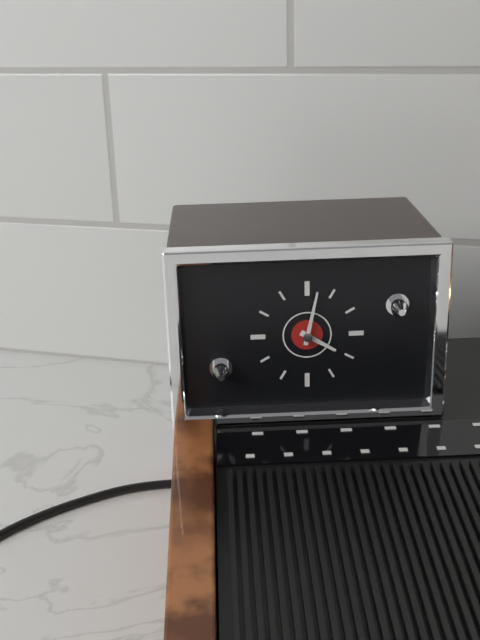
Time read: 4 h 02 min
